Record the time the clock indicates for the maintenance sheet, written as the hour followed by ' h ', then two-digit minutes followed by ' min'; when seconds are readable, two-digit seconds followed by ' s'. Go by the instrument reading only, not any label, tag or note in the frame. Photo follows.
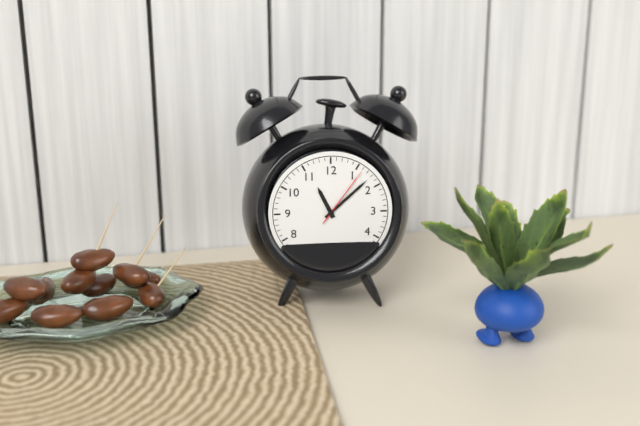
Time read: 11 h 08 min 06 s
